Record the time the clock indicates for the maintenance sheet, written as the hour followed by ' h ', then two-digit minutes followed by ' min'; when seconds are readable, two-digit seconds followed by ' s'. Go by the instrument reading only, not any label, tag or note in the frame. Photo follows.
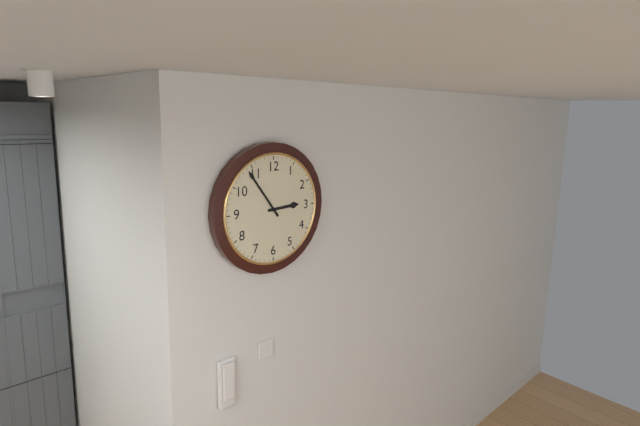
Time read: 2 h 54 min
